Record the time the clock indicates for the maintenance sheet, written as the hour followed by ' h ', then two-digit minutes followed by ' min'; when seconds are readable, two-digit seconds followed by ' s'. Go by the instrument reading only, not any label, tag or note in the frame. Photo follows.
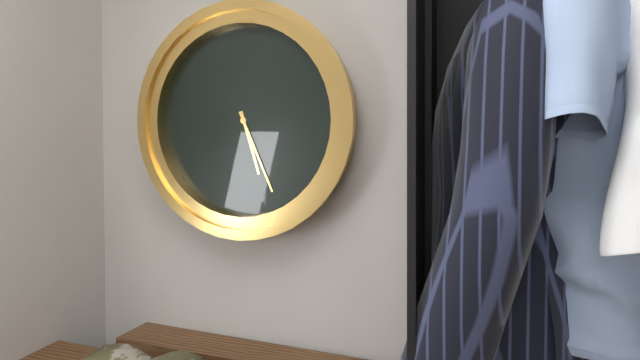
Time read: 5 h 26 min
